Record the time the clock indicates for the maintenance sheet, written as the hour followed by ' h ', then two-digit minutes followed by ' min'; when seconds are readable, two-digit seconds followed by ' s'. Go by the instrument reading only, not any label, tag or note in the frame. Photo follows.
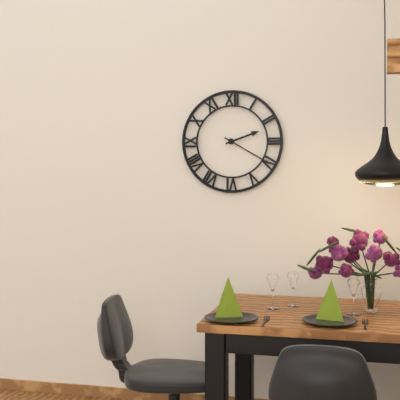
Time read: 2 h 20 min
